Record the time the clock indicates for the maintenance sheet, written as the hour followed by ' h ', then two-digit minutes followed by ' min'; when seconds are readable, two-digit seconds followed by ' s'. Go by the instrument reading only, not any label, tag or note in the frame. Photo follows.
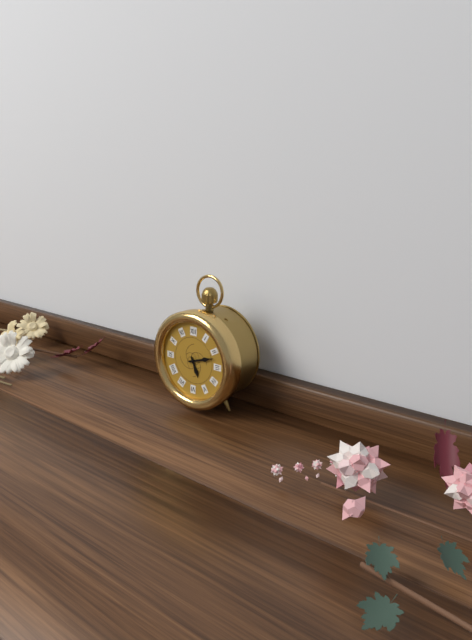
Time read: 5 h 12 min
